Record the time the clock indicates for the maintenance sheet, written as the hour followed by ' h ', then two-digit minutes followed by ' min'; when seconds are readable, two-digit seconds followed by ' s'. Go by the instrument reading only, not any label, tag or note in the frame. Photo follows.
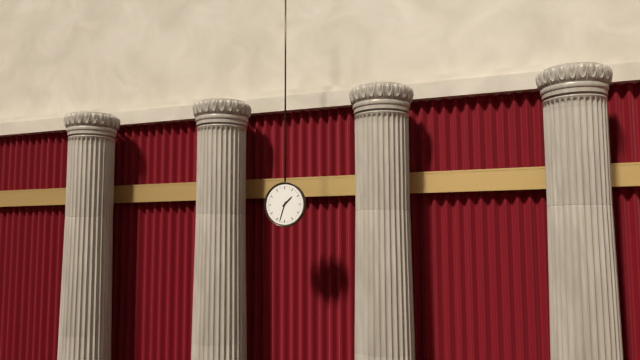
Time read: 1 h 33 min
